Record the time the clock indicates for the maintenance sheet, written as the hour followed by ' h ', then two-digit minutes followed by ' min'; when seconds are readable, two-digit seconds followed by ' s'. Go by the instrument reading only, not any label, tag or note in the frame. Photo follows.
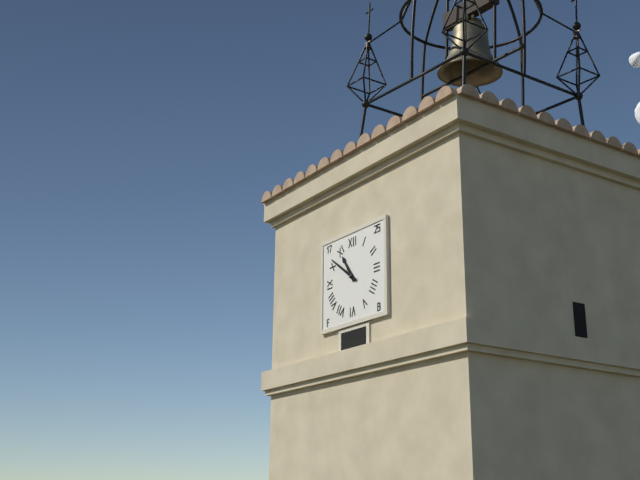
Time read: 10 h 51 min
